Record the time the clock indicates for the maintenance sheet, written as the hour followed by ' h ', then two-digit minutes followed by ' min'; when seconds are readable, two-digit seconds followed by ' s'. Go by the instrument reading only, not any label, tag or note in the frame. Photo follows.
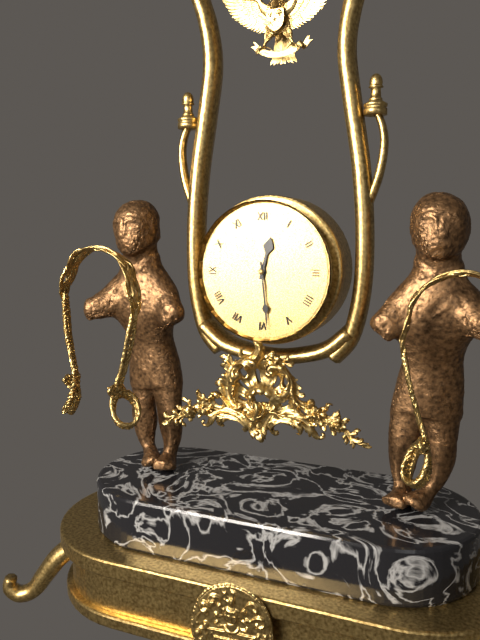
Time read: 12 h 29 min
